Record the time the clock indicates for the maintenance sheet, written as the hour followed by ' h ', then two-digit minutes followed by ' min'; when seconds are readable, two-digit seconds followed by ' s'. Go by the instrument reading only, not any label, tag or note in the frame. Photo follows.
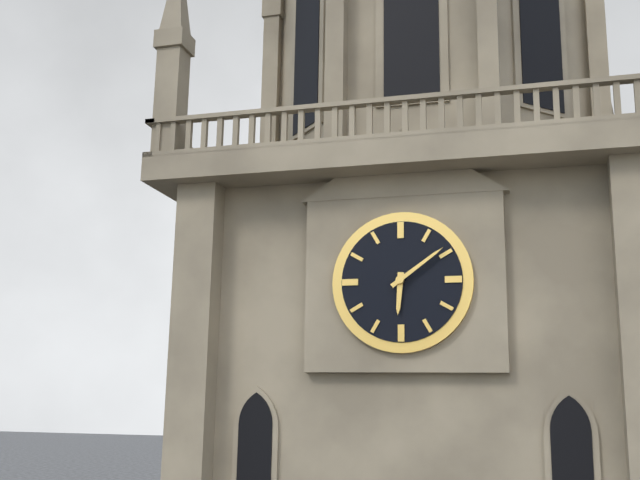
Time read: 6 h 09 min
